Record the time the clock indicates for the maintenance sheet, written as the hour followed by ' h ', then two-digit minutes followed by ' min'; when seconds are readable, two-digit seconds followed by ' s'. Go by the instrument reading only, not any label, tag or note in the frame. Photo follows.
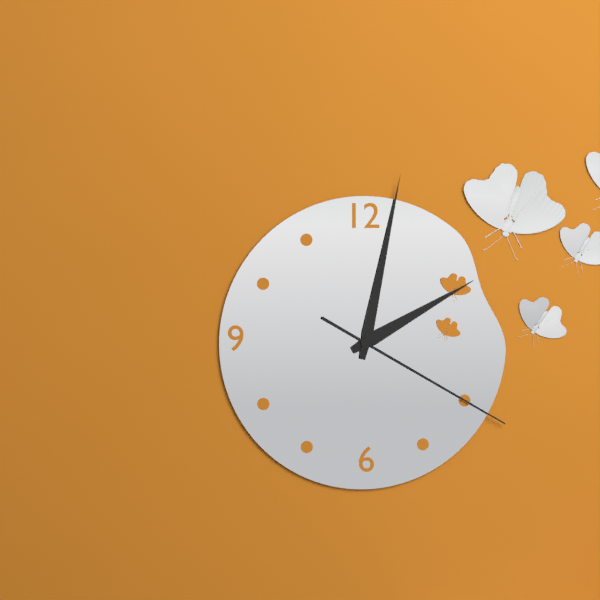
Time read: 2 h 02 min 20 s
